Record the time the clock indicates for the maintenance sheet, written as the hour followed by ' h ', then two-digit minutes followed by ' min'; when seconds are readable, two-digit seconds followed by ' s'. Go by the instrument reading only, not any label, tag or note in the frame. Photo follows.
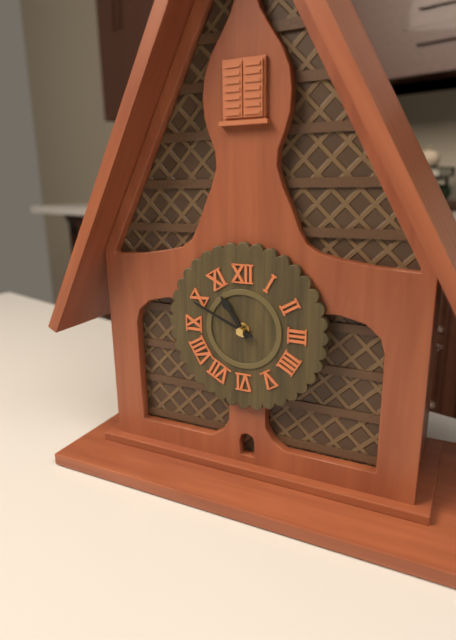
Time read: 10 h 49 min
